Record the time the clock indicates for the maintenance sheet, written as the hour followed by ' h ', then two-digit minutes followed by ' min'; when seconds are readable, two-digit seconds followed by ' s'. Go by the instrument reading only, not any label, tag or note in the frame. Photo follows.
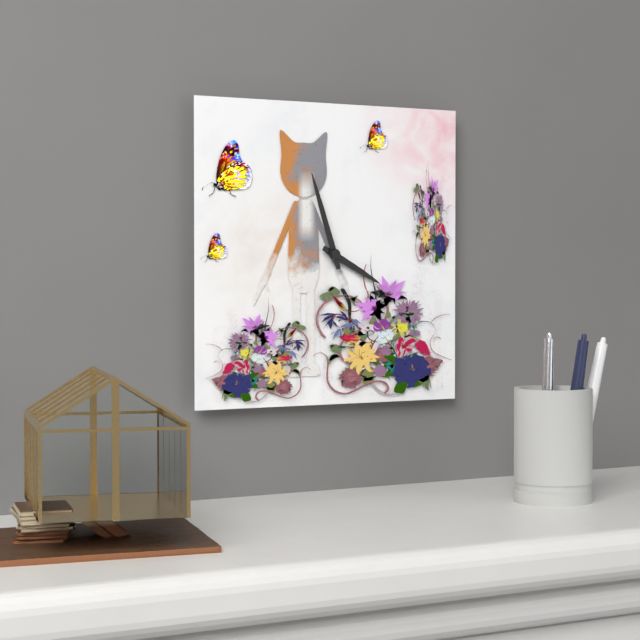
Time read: 3 h 57 min
